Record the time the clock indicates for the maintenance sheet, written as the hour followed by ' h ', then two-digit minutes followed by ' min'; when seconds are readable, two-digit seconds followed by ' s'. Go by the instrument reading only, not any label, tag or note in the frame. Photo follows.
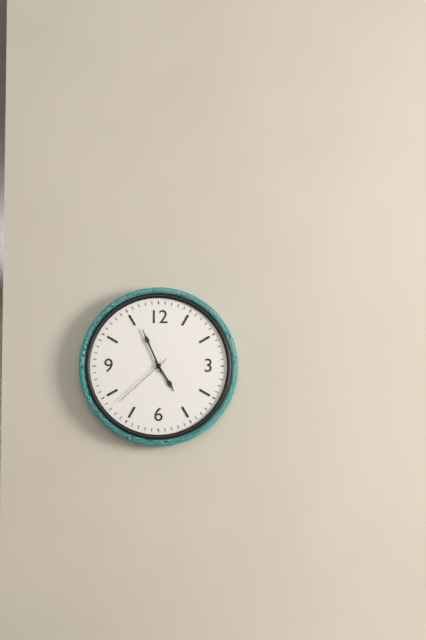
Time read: 4 h 56 min 38 s
